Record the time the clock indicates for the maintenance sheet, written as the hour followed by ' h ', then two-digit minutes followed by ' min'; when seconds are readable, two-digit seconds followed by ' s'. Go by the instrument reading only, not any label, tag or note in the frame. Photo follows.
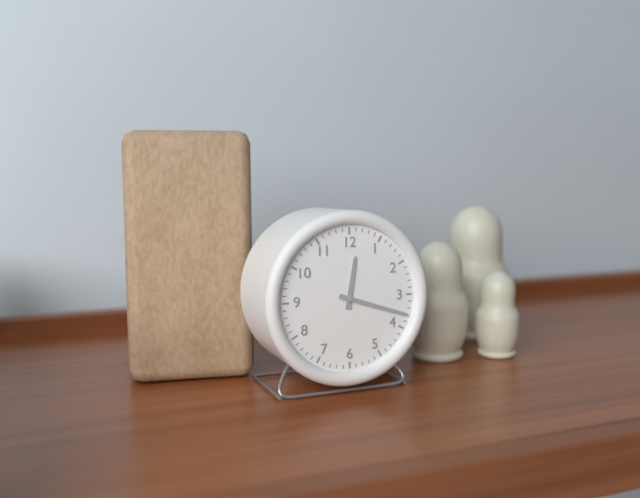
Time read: 12 h 18 min
